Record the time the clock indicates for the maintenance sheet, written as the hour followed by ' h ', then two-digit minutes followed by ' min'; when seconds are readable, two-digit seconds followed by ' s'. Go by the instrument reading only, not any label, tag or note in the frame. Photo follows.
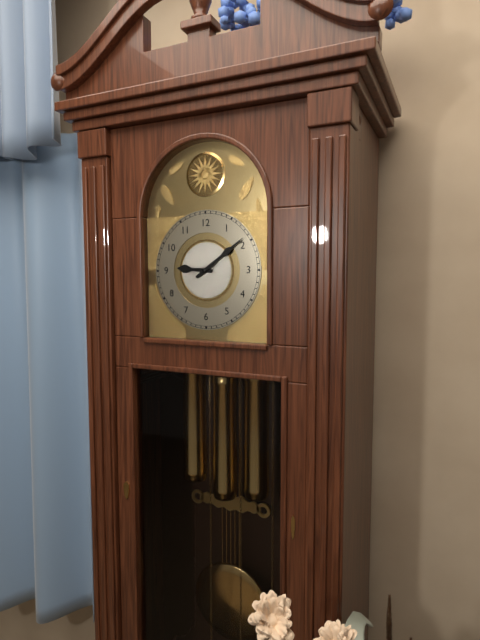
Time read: 9 h 09 min
